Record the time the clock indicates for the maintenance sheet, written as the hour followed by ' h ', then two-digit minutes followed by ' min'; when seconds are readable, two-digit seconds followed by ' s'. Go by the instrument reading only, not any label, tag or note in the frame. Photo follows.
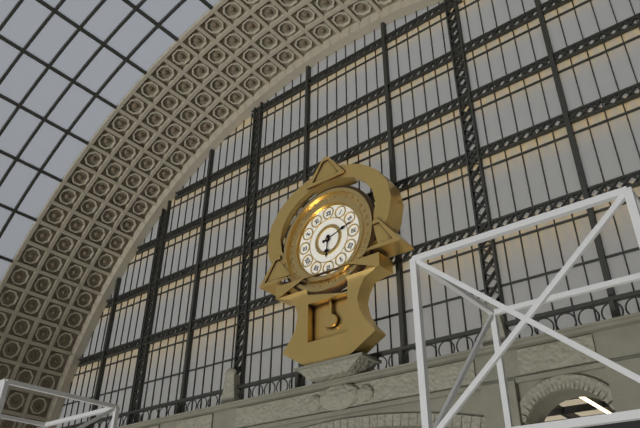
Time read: 6 h 12 min
